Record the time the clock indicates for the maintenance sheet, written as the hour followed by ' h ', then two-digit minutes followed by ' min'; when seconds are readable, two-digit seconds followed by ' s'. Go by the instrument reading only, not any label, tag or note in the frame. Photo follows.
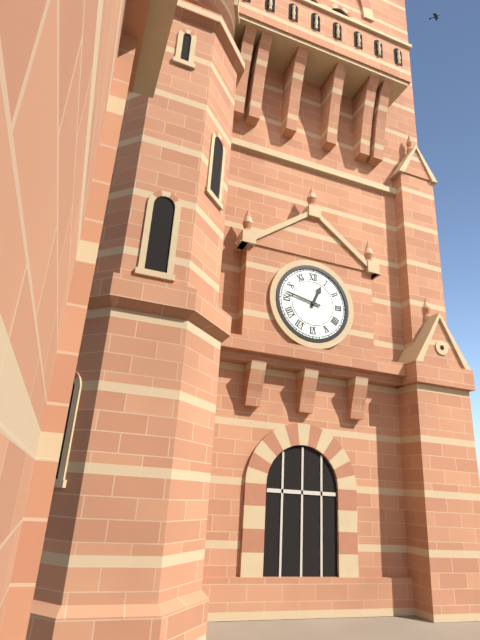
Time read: 12 h 47 min
